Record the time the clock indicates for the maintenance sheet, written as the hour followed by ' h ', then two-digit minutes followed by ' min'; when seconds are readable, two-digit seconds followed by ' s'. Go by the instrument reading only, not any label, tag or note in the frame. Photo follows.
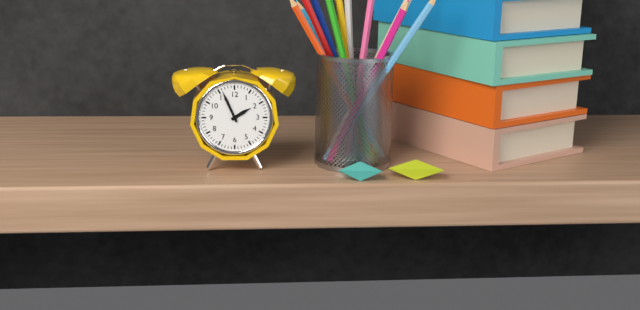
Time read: 1 h 56 min
